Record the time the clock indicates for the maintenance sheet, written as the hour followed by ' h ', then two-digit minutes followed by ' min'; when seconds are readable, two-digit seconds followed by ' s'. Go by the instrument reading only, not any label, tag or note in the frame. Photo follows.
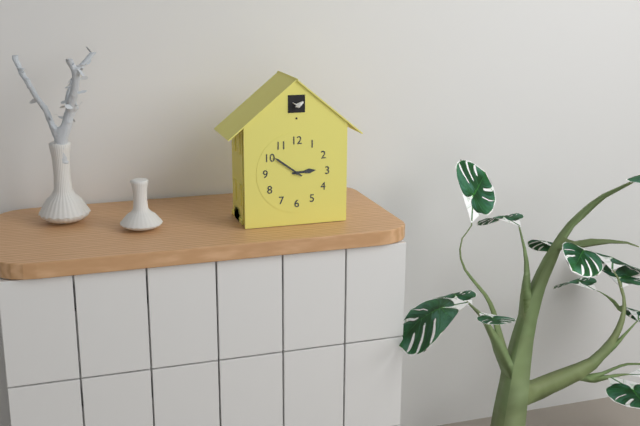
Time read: 2 h 51 min
